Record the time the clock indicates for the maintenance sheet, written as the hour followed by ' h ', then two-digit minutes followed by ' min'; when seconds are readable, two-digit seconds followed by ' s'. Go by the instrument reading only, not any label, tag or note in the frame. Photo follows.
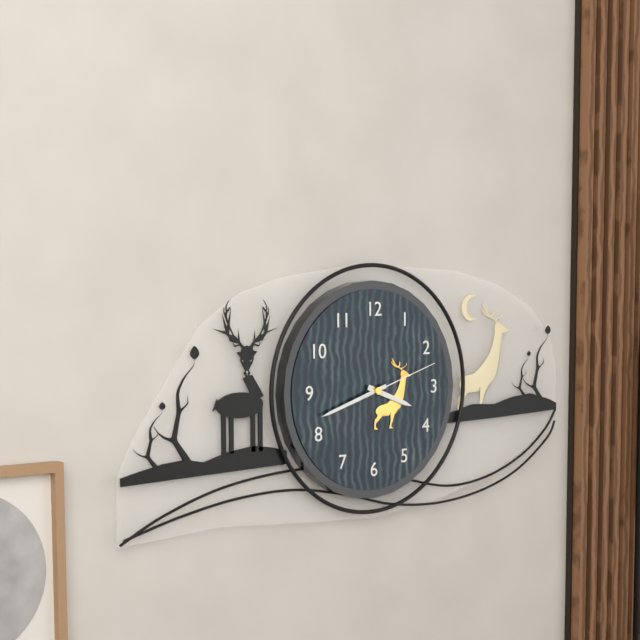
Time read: 3 h 42 min 12 s
